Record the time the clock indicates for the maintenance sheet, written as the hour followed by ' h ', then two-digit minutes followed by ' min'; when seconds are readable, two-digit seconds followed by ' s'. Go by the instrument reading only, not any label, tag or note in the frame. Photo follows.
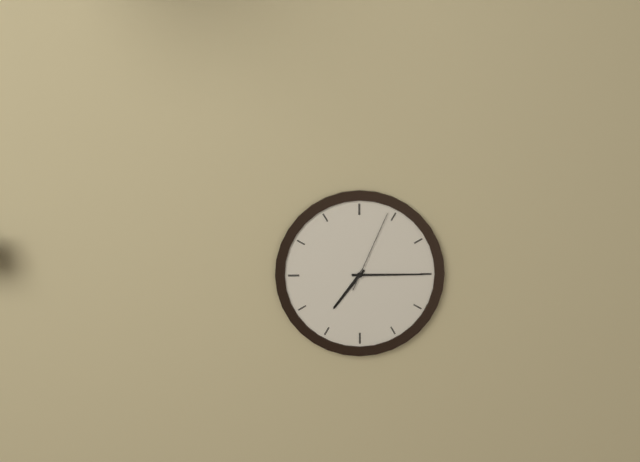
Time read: 7 h 15 min 04 s
